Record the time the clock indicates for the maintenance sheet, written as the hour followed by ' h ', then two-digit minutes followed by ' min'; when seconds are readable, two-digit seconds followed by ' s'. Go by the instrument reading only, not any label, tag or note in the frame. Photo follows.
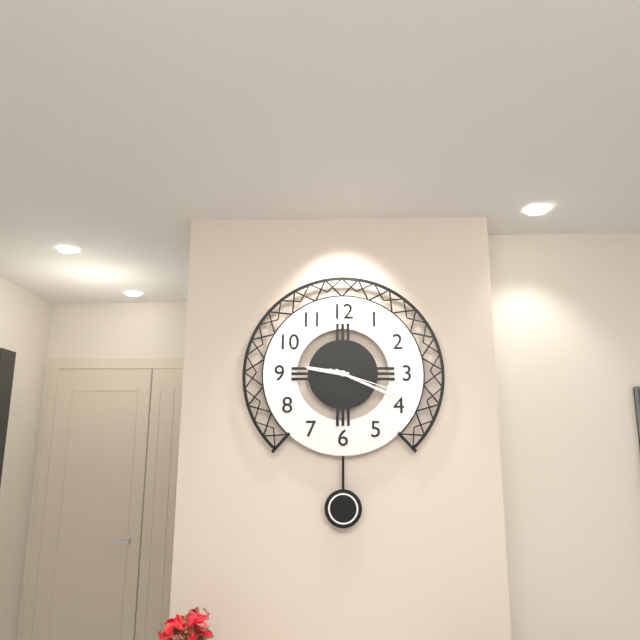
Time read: 9 h 19 min 18 s
